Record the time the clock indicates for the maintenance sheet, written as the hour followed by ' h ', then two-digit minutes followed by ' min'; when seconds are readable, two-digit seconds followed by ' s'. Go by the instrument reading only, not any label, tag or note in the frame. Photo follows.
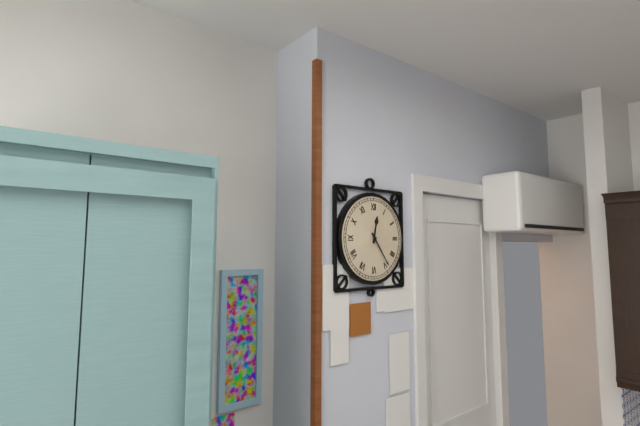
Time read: 12 h 24 min
